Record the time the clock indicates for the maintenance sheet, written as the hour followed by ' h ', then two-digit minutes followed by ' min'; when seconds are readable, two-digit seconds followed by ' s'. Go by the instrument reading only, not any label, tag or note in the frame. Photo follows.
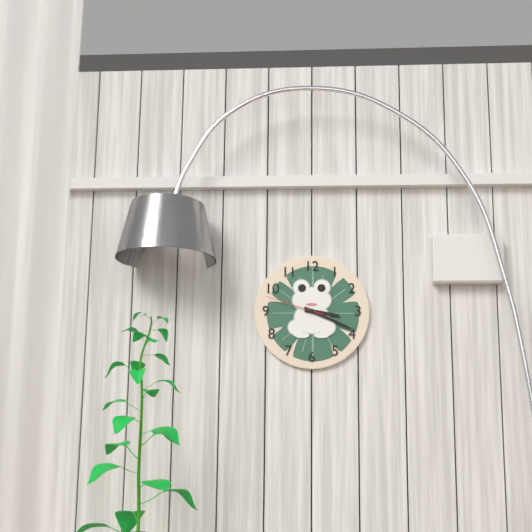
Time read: 3 h 19 min 48 s
